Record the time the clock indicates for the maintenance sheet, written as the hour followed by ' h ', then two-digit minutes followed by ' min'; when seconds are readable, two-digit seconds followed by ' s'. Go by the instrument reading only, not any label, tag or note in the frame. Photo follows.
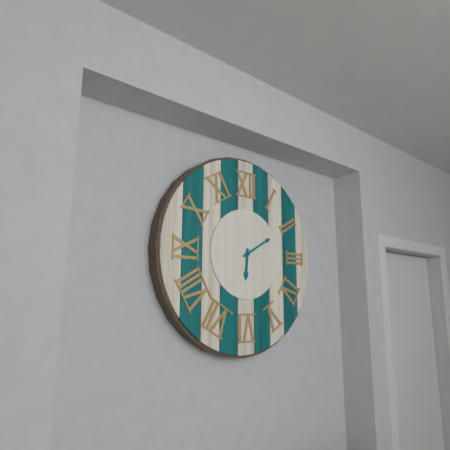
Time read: 6 h 10 min
